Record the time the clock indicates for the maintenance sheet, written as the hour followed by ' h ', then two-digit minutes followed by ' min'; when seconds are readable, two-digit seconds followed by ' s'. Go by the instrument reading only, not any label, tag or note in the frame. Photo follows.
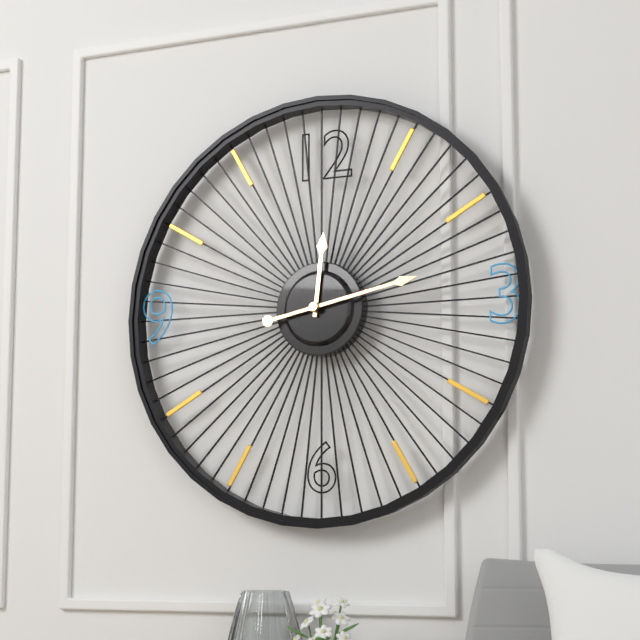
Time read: 12 h 13 min
